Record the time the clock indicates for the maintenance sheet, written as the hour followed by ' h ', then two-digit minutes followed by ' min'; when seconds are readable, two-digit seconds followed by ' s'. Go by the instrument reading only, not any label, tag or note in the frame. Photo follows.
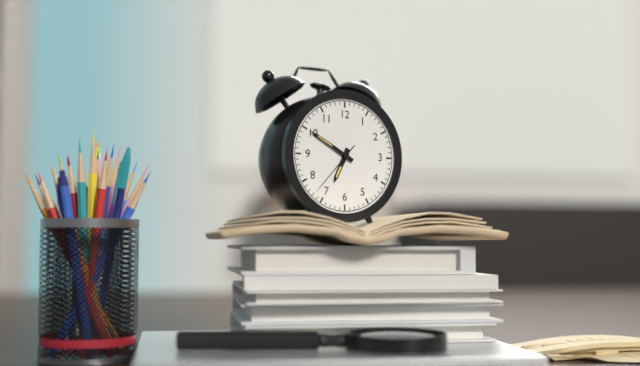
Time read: 6 h 50 min 37 s
